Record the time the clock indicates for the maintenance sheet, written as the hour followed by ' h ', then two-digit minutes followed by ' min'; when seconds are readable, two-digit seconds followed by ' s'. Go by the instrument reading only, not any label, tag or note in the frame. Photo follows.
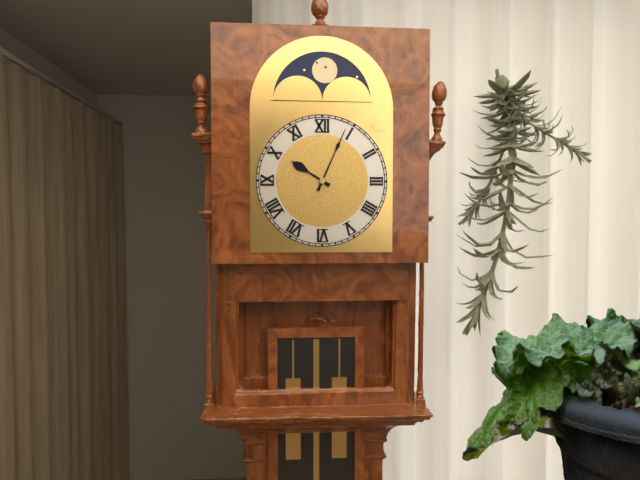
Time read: 10 h 04 min
